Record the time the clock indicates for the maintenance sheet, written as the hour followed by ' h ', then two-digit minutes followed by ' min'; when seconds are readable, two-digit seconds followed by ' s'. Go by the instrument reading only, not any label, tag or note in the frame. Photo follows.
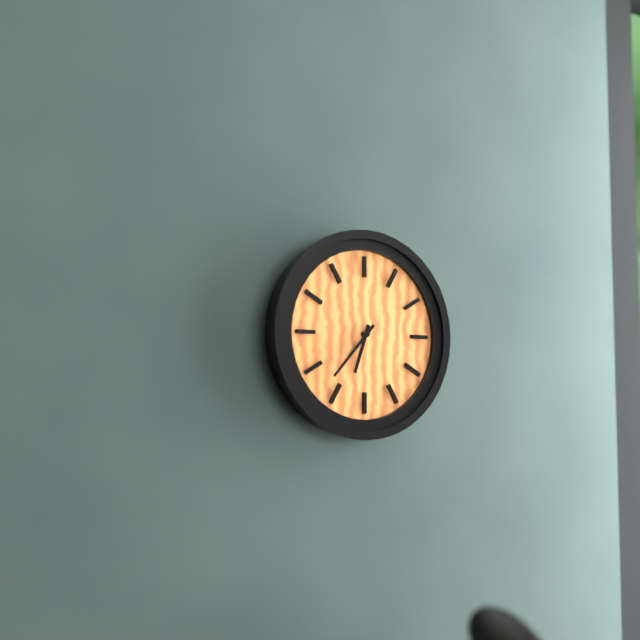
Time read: 6 h 37 min
